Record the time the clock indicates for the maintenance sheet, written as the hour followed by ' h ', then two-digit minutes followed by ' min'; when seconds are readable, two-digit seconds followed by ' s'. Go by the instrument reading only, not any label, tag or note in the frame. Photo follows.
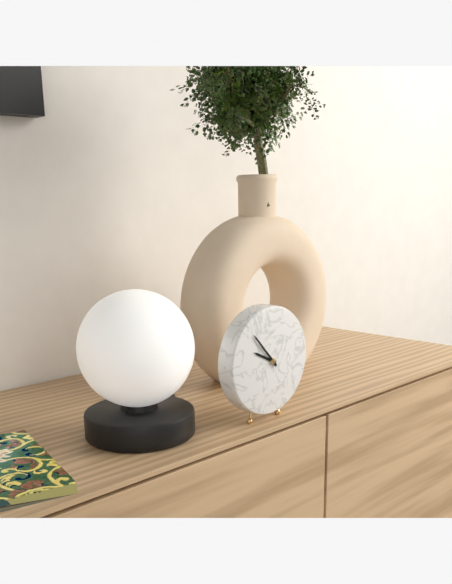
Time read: 9 h 53 min
